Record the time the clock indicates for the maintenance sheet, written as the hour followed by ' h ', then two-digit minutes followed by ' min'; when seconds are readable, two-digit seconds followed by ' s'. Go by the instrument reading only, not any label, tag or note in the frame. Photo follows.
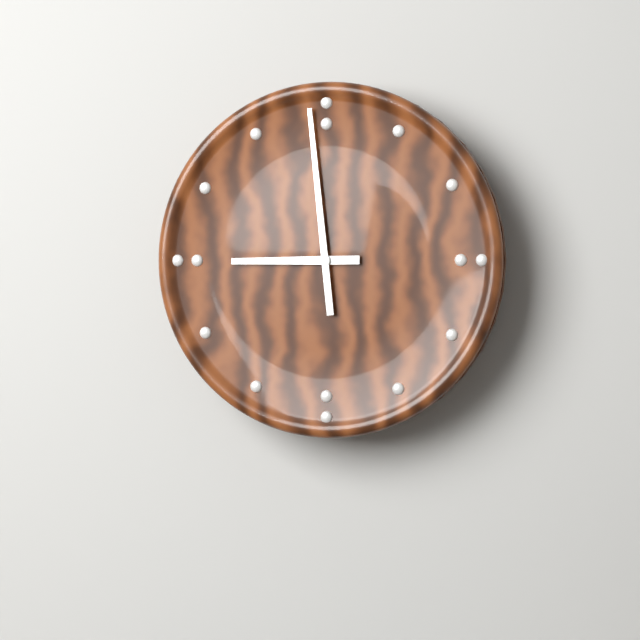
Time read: 8 h 59 min
